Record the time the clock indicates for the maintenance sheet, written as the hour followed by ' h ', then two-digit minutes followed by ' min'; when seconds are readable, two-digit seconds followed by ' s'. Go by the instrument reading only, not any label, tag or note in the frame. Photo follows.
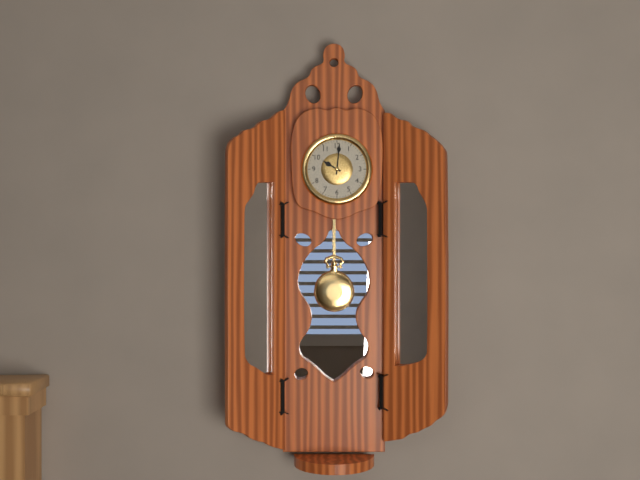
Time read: 10 h 01 min
